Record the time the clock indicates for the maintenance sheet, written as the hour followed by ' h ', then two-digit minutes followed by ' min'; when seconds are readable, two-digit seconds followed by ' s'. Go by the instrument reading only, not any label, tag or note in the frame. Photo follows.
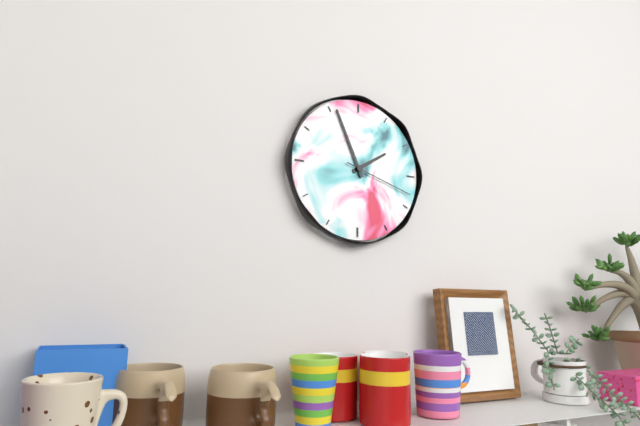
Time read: 1 h 56 min 18 s
